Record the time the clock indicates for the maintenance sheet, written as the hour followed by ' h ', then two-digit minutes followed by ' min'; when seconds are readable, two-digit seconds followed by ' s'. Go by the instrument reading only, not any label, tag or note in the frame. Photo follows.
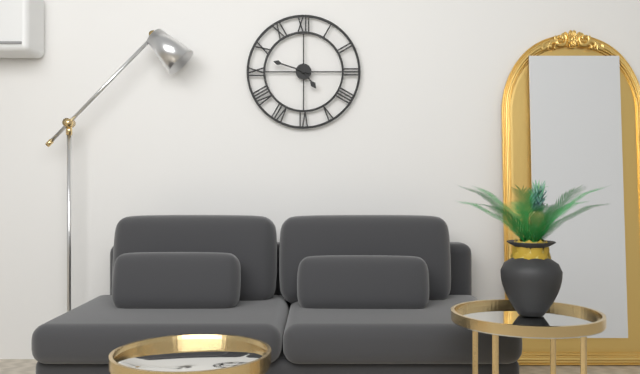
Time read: 4 h 48 min
